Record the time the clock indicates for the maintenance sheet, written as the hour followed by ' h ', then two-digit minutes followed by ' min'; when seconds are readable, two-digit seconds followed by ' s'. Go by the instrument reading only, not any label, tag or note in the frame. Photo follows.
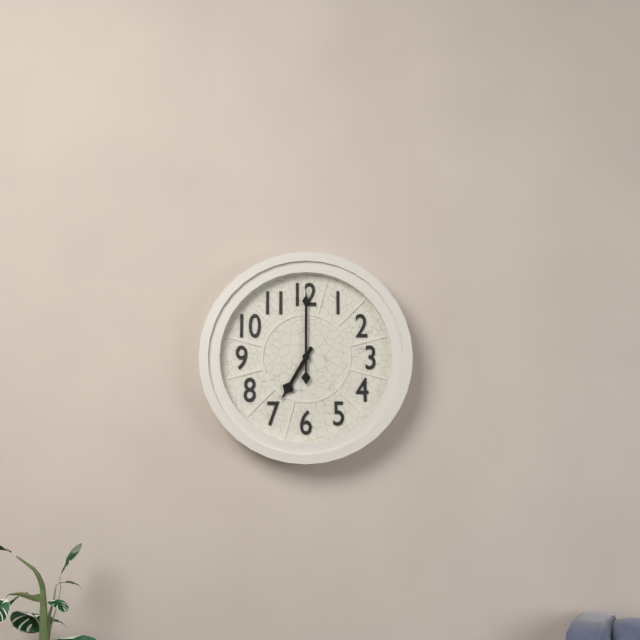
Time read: 7 h 00 min
